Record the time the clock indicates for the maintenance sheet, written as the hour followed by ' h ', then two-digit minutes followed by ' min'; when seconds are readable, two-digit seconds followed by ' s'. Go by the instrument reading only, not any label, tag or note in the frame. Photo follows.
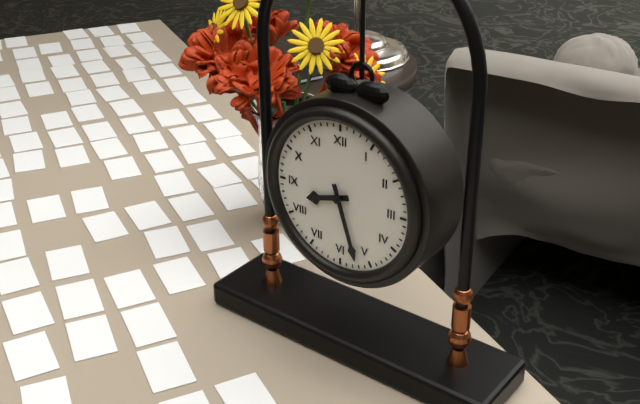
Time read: 8 h 27 min
